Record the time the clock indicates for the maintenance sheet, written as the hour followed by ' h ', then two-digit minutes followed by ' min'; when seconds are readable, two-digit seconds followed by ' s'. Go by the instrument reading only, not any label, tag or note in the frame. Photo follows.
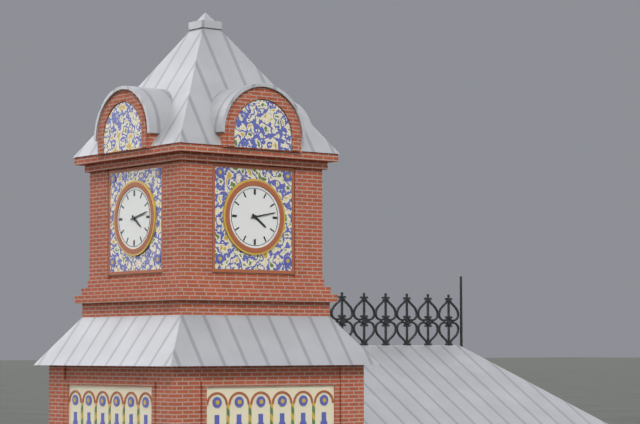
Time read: 4 h 13 min
